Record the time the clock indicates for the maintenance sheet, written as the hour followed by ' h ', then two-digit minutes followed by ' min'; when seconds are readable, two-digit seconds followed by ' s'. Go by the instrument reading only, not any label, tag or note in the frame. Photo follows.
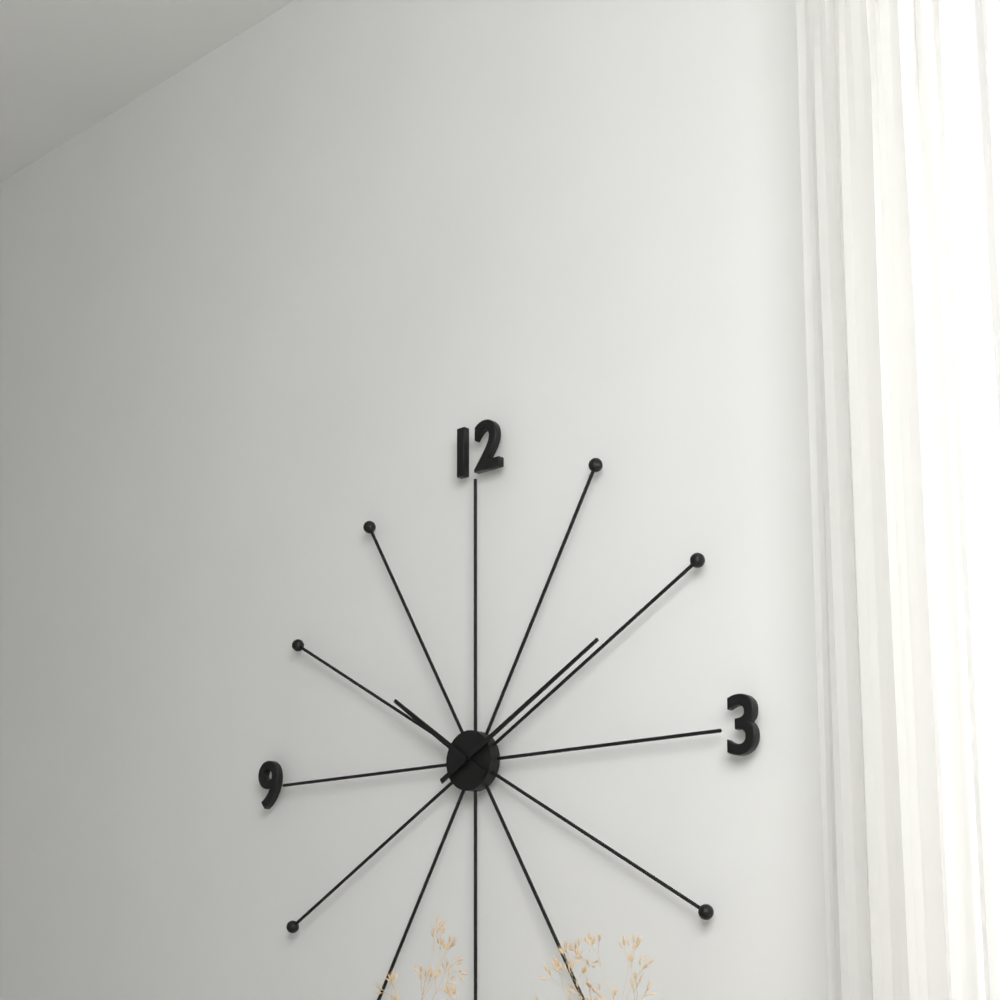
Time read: 10 h 10 min
